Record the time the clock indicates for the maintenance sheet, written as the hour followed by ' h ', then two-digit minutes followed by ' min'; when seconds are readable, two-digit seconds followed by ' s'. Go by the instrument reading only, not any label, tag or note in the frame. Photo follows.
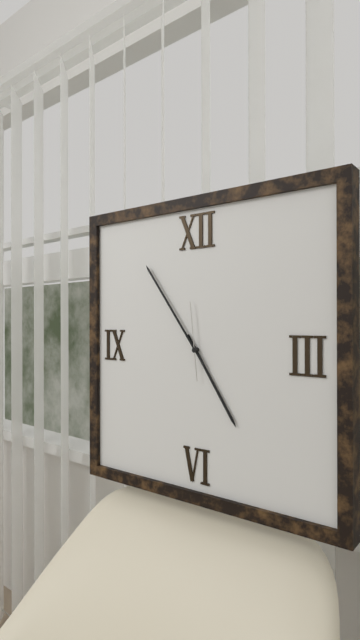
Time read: 4 h 54 min 59 s
